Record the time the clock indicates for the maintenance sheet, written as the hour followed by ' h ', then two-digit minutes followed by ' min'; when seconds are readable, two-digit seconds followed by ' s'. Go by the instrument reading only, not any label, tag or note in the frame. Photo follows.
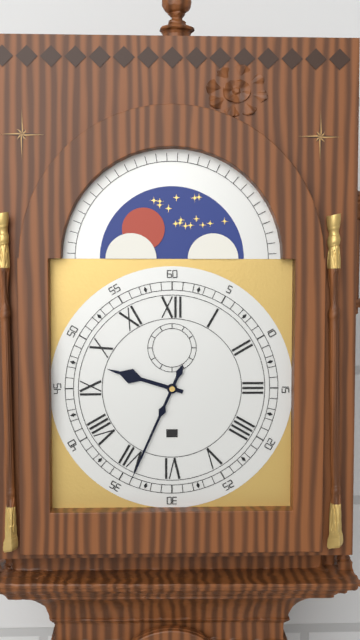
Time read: 9 h 34 min
